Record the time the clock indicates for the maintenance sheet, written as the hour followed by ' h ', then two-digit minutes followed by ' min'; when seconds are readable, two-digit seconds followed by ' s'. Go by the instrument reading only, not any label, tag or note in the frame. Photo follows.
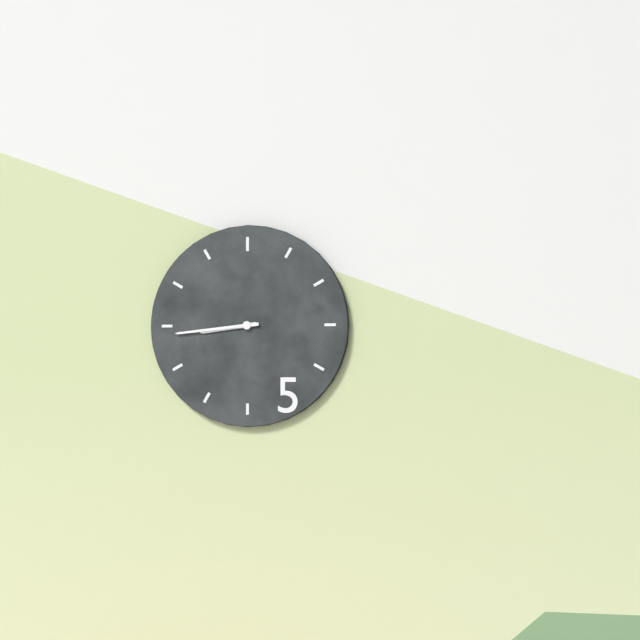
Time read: 8 h 44 min
